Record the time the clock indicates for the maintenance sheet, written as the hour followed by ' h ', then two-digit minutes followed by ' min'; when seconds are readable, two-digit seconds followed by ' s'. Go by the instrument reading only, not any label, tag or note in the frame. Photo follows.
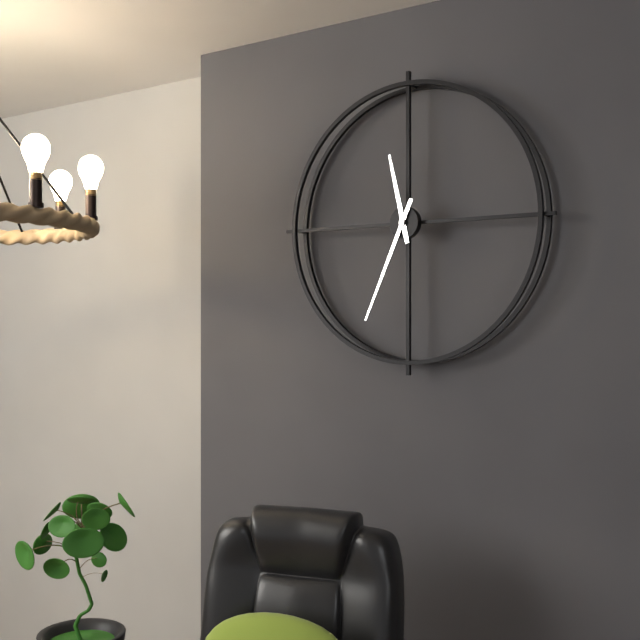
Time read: 11 h 34 min
